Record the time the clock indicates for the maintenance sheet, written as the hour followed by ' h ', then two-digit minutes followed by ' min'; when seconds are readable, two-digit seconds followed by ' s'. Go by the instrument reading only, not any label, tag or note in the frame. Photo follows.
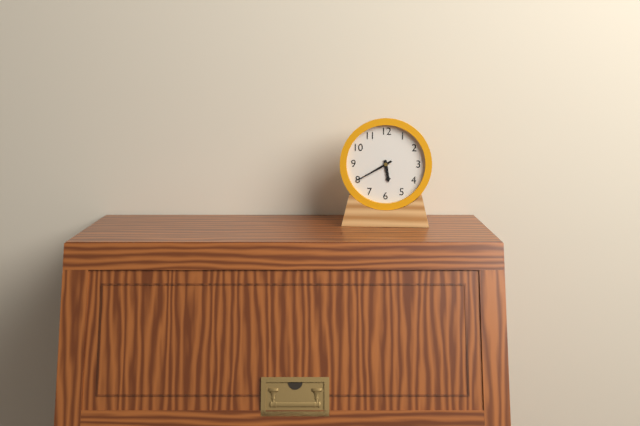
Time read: 5 h 40 min
